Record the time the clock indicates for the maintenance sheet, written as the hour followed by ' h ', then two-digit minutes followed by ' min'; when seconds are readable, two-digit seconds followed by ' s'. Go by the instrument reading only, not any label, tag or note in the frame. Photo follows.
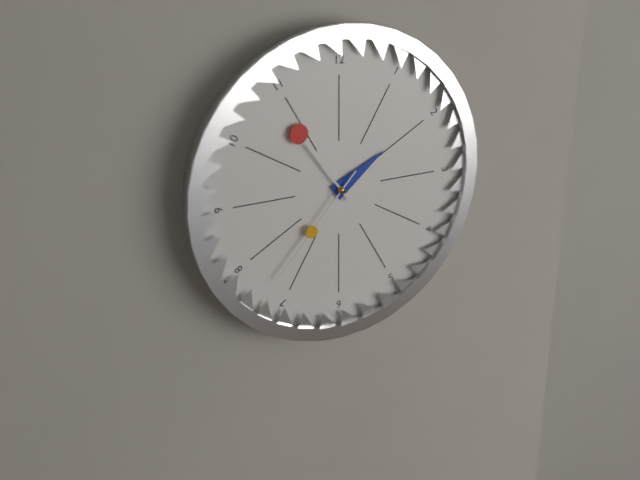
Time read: 1 h 54 min 37 s
